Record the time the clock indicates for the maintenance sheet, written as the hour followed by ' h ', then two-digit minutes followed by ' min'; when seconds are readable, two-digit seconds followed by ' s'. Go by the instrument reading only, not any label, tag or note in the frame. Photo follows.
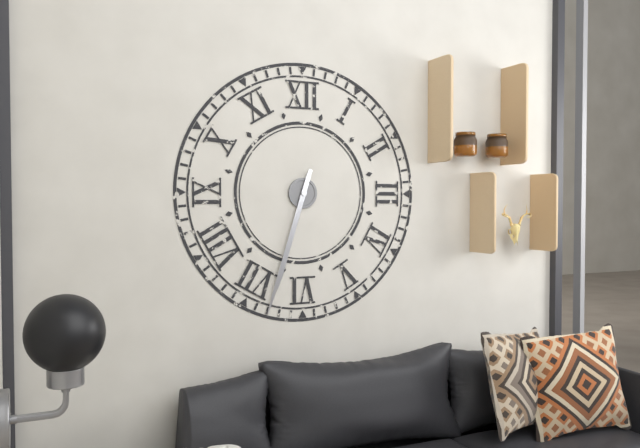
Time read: 6 h 33 min
